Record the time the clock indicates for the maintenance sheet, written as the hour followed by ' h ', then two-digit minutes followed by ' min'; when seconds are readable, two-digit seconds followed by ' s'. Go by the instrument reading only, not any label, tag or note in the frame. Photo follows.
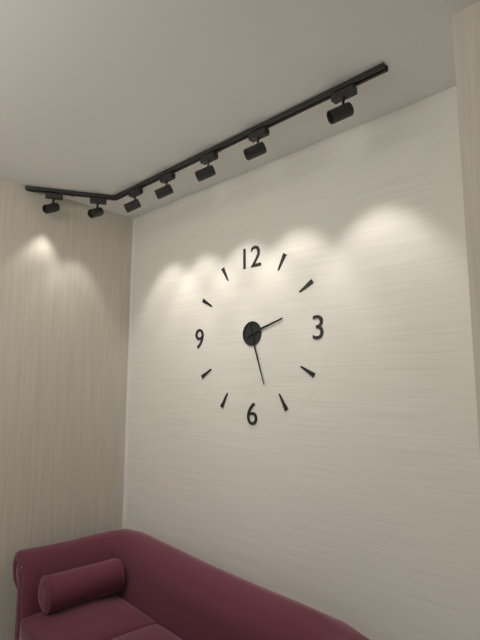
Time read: 2 h 27 min
